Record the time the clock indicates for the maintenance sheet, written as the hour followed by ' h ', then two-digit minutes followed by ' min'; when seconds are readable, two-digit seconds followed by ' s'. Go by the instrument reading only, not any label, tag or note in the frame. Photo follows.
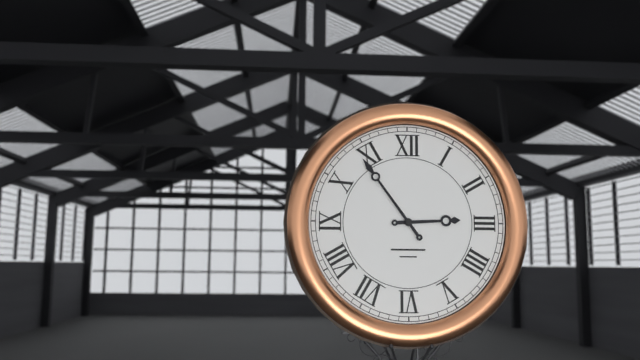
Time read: 2 h 54 min
